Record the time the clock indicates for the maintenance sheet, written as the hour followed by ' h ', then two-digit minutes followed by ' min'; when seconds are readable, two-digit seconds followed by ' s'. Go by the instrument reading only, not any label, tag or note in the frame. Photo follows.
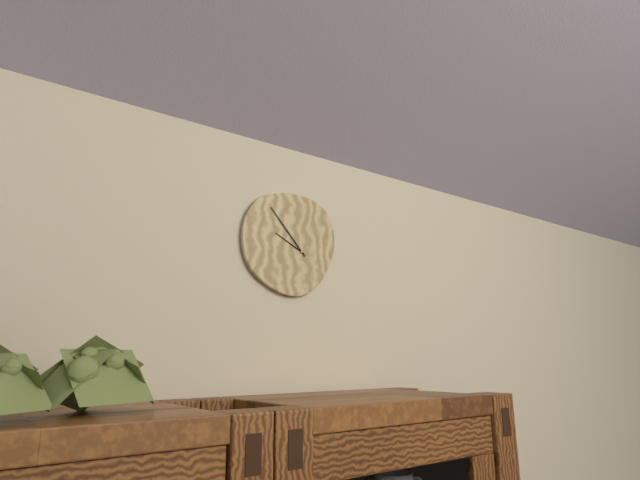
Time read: 9 h 53 min
